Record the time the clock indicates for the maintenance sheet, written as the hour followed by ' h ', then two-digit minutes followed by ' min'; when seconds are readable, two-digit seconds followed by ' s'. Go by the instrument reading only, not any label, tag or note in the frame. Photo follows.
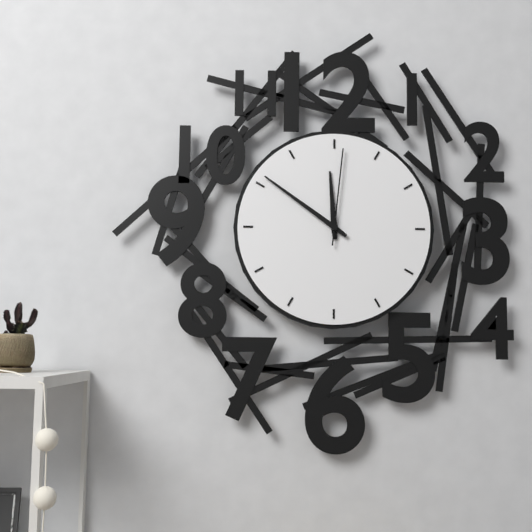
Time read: 11 h 51 min 01 s
